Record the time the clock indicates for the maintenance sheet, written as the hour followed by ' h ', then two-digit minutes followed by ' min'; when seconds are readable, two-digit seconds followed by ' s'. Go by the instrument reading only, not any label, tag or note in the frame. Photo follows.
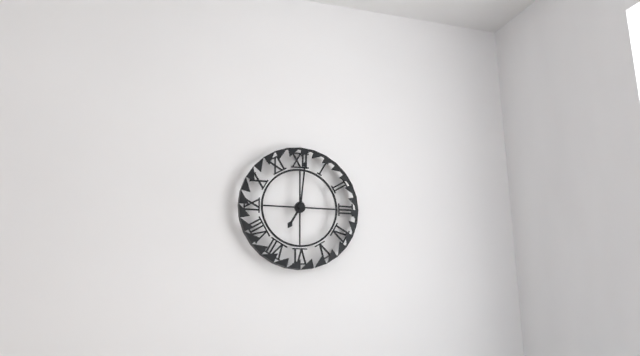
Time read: 7 h 01 min
